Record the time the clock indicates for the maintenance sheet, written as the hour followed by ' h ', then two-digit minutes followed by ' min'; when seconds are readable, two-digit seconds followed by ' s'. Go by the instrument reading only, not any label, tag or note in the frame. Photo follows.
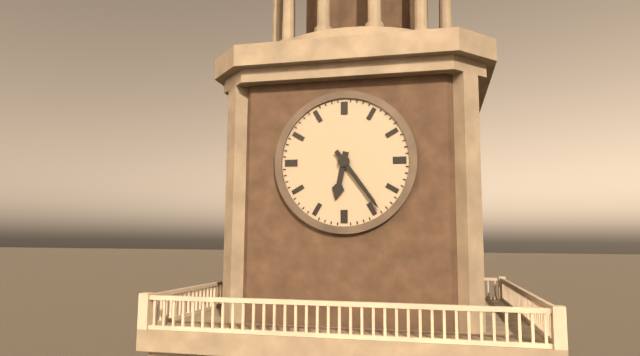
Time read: 6 h 24 min
